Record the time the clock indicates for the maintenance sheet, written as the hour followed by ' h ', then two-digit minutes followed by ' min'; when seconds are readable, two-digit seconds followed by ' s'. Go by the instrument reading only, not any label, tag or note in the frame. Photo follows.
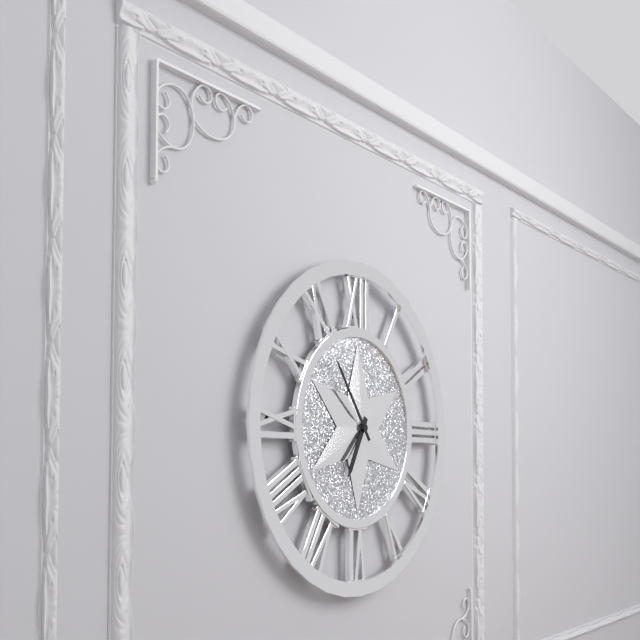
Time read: 6 h 54 min
